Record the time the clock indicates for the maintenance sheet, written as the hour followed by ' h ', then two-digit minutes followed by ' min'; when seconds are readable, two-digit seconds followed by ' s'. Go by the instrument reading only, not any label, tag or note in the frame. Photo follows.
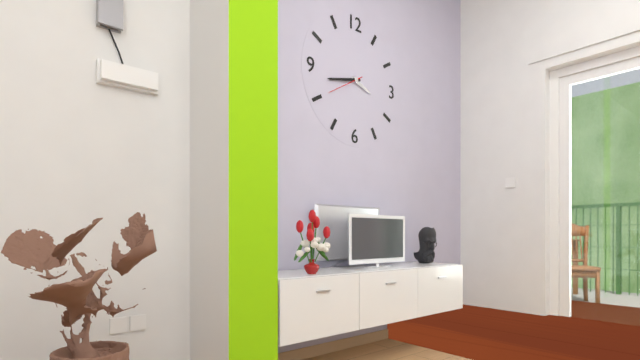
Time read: 3 h 43 min
